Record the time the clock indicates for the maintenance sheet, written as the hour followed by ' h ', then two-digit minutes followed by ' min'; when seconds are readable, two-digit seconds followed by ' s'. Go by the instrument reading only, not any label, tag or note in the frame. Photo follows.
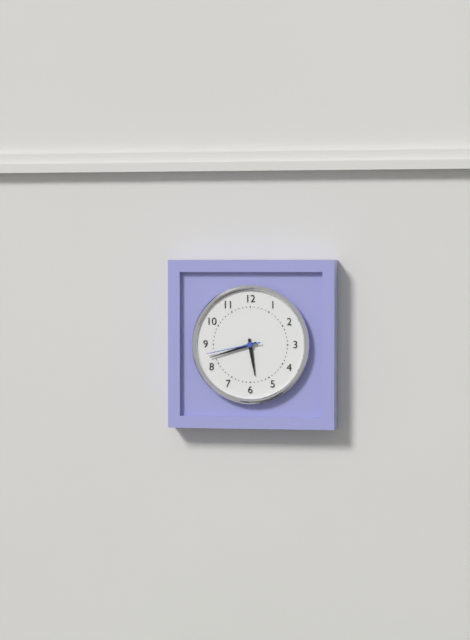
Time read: 5 h 42 min 43 s
